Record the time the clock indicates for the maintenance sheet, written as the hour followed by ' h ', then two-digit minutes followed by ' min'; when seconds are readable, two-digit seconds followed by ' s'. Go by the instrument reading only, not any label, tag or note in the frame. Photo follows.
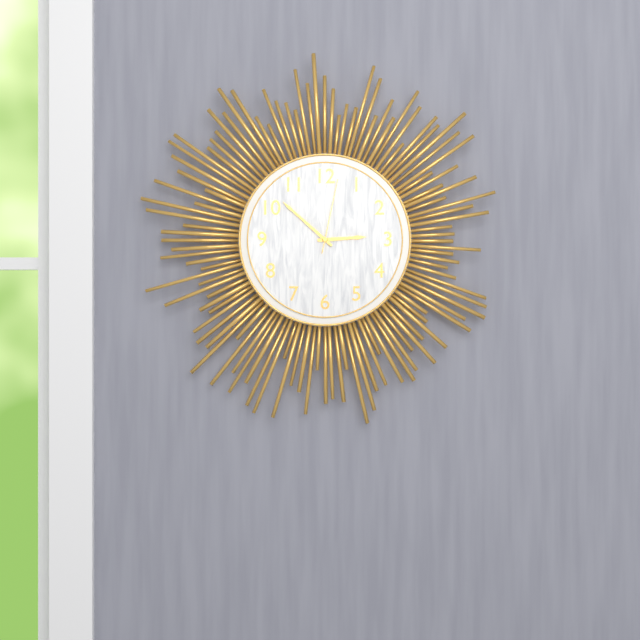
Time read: 2 h 52 min 02 s
